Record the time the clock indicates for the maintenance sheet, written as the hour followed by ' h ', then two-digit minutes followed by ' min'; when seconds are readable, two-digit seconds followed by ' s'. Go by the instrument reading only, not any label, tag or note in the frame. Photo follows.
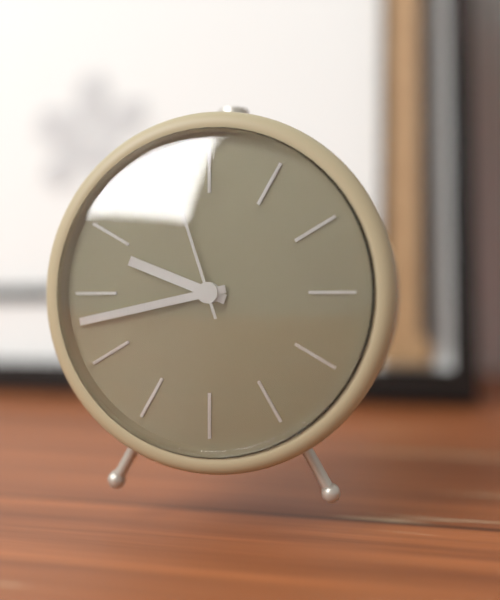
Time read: 9 h 43 min 57 s
